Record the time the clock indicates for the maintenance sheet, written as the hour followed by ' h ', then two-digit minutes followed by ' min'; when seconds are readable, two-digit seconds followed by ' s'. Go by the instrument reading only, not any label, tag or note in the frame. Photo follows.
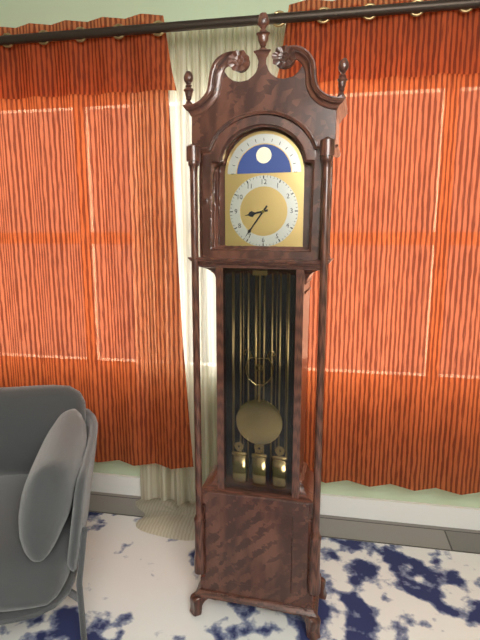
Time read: 8 h 36 min
